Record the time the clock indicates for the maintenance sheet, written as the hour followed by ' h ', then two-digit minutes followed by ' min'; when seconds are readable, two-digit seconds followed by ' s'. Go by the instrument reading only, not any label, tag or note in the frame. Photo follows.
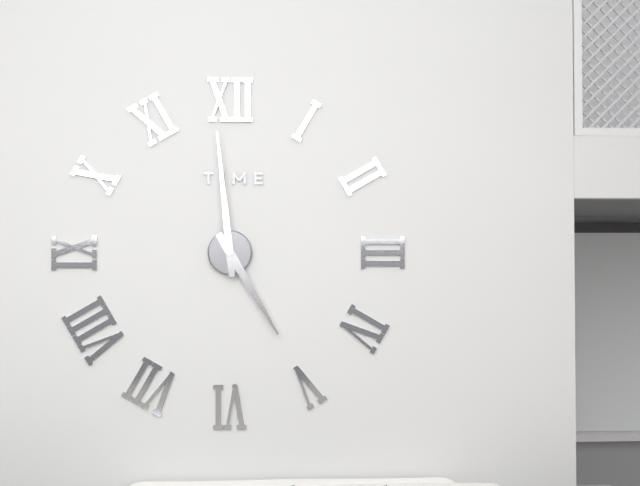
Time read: 4 h 59 min
